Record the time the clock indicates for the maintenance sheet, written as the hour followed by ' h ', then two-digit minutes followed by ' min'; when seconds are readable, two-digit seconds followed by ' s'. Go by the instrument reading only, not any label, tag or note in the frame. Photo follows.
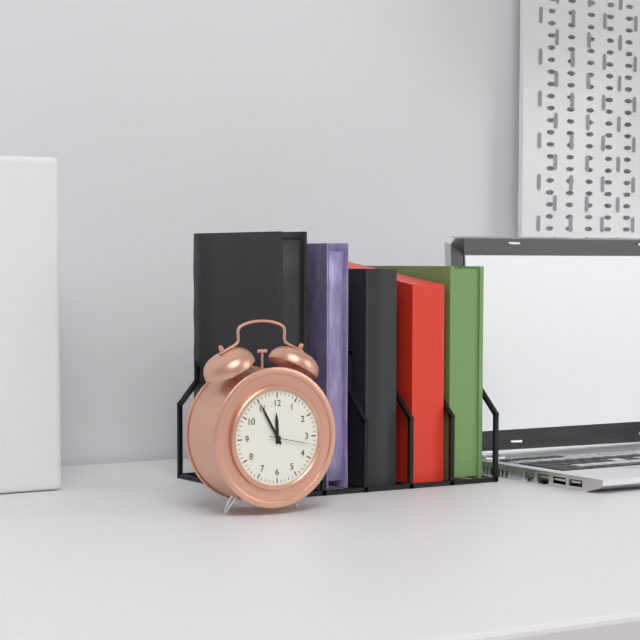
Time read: 11 h 55 min
